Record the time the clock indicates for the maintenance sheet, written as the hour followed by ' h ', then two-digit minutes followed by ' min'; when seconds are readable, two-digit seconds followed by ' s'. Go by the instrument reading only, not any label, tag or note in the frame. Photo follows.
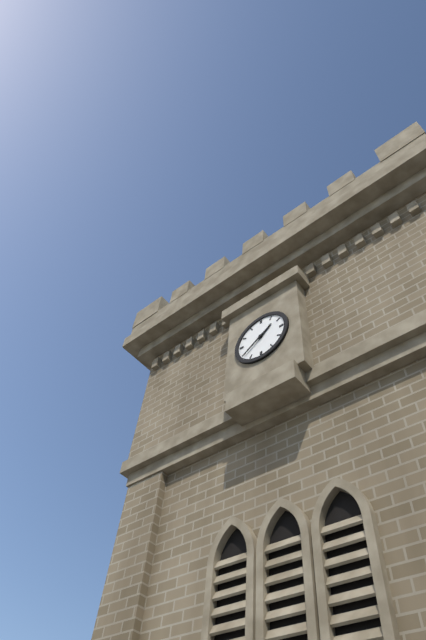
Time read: 1 h 39 min
